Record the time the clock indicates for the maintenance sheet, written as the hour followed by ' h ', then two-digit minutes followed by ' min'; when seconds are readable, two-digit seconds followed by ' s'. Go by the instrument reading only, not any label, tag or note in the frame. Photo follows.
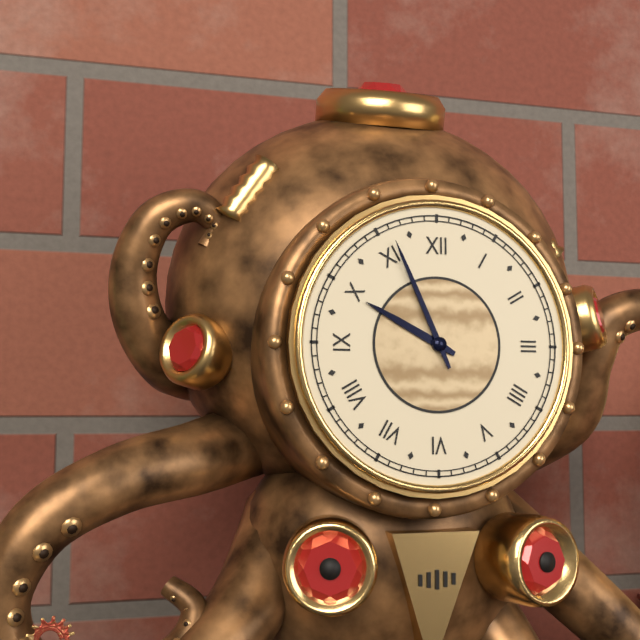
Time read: 9 h 56 min
